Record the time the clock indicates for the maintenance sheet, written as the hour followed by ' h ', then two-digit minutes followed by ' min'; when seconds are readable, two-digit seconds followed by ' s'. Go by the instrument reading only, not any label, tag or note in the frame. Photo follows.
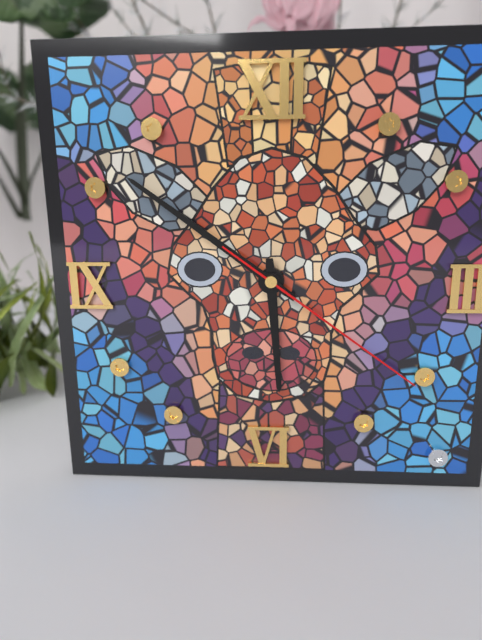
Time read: 5 h 51 min 21 s
